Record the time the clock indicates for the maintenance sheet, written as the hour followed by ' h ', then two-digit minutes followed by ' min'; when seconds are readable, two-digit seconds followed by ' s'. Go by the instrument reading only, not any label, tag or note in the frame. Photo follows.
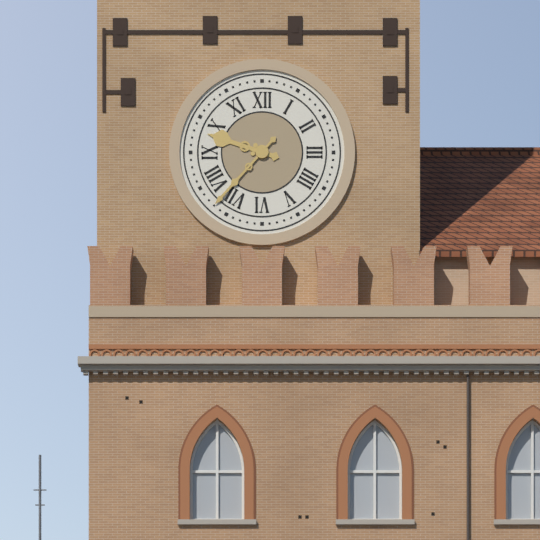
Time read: 9 h 37 min
